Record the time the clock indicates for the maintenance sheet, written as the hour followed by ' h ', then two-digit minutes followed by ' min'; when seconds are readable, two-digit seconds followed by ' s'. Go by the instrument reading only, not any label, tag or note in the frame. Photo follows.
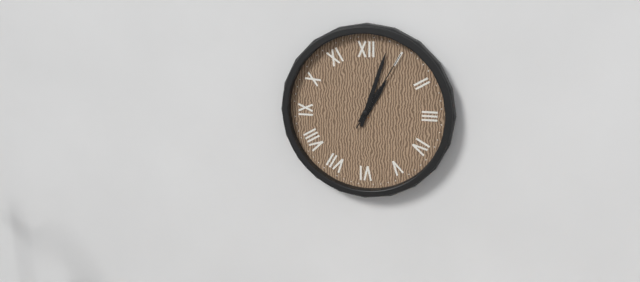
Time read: 1 h 03 min 05 s
